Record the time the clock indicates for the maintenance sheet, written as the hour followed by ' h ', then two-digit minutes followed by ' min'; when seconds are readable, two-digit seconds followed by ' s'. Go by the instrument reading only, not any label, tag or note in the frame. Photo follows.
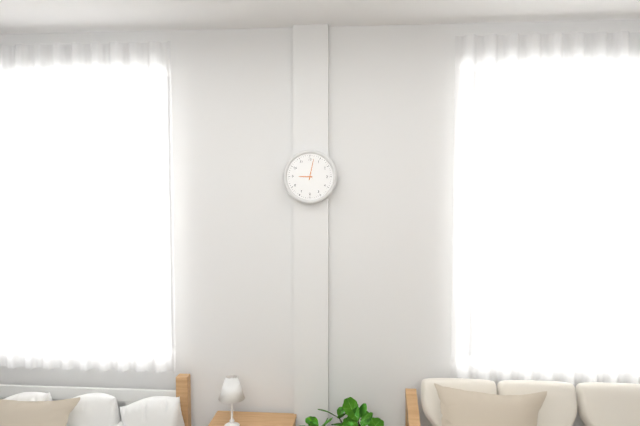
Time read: 9 h 02 min
